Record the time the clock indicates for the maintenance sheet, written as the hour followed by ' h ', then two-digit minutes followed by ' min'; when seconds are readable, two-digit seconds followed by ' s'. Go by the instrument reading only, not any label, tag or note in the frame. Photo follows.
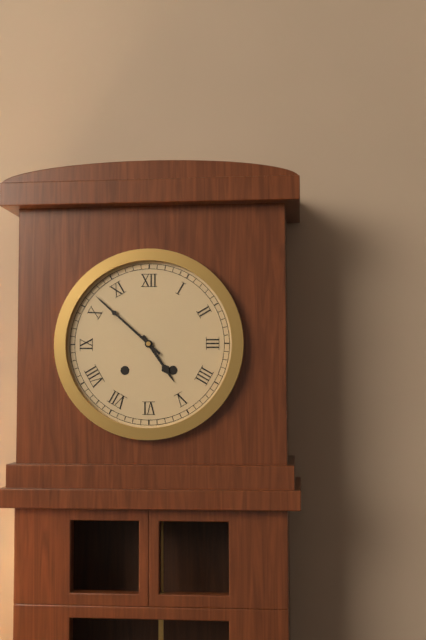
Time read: 4 h 52 min
